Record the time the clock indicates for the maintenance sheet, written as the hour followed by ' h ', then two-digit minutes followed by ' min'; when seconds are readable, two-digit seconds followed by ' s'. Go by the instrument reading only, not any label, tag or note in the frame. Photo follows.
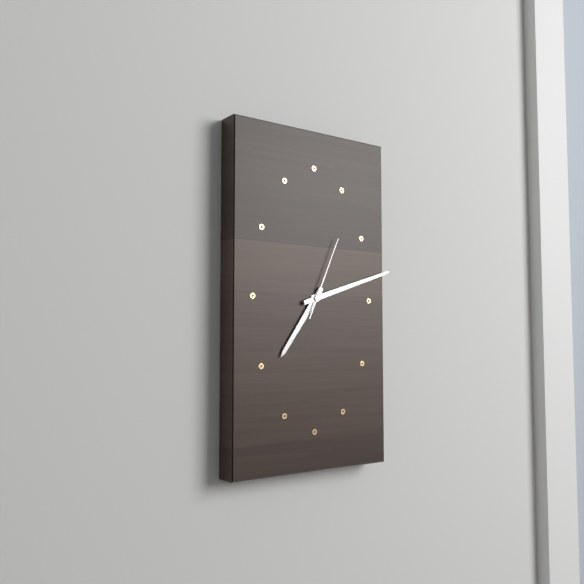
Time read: 7 h 12 min 04 s
